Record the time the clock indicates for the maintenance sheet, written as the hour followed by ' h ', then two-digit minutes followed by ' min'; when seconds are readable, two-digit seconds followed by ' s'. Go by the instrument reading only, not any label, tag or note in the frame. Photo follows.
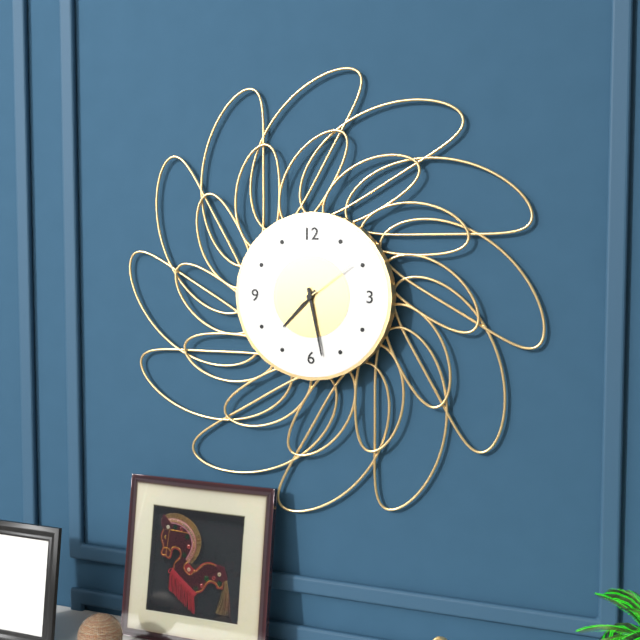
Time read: 7 h 28 min 09 s
